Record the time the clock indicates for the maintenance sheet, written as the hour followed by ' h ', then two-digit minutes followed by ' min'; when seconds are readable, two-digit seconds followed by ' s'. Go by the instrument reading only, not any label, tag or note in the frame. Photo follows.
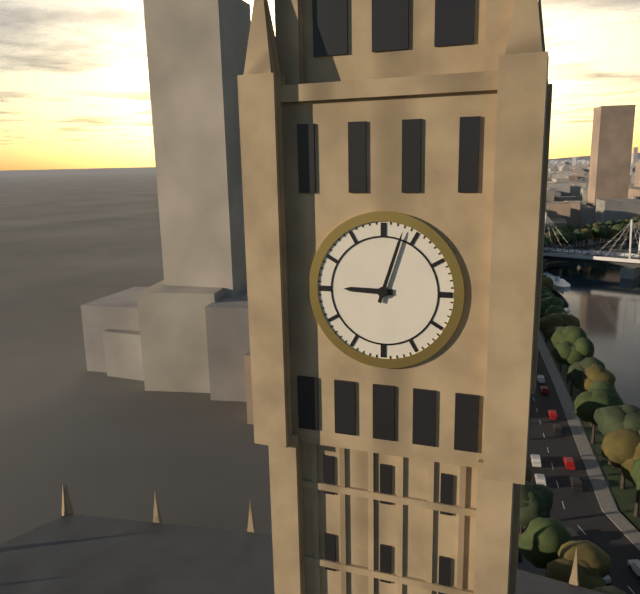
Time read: 9 h 03 min
